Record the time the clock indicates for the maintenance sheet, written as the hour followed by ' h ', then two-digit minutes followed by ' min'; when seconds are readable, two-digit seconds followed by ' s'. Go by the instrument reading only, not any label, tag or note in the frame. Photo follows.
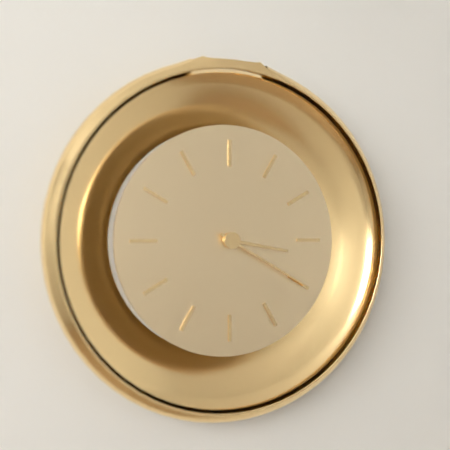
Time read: 3 h 20 min
